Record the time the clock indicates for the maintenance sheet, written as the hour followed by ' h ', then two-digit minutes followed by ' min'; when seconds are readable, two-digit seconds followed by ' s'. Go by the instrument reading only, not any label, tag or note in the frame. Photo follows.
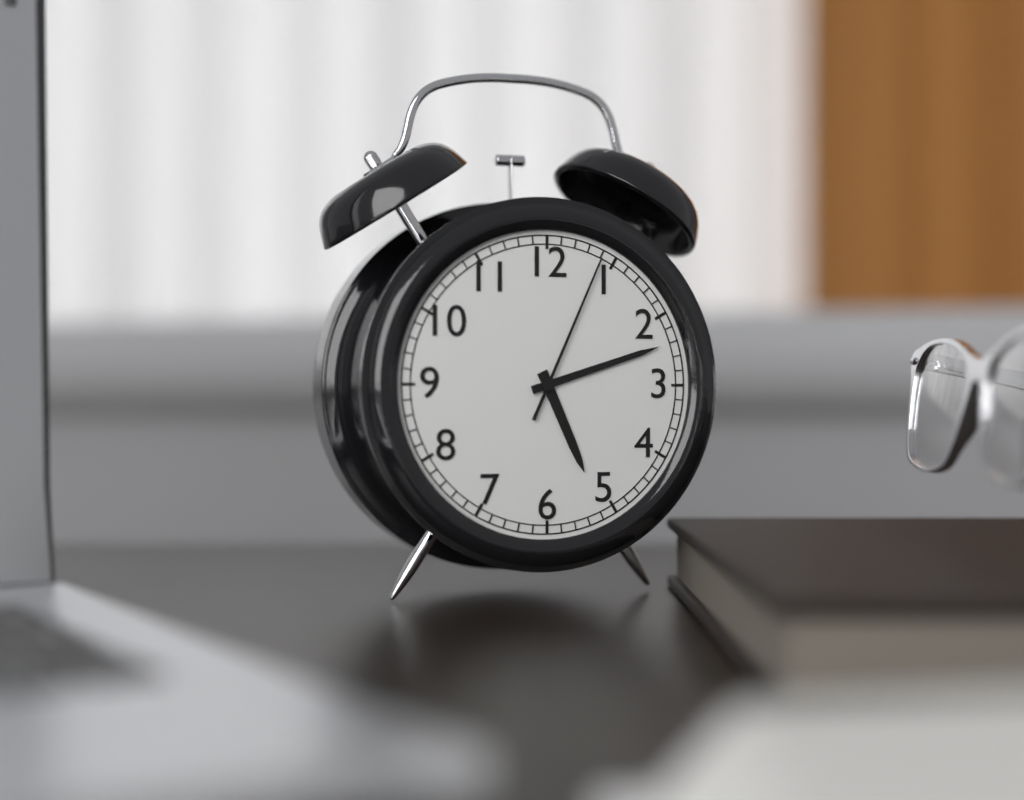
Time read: 5 h 12 min 04 s
